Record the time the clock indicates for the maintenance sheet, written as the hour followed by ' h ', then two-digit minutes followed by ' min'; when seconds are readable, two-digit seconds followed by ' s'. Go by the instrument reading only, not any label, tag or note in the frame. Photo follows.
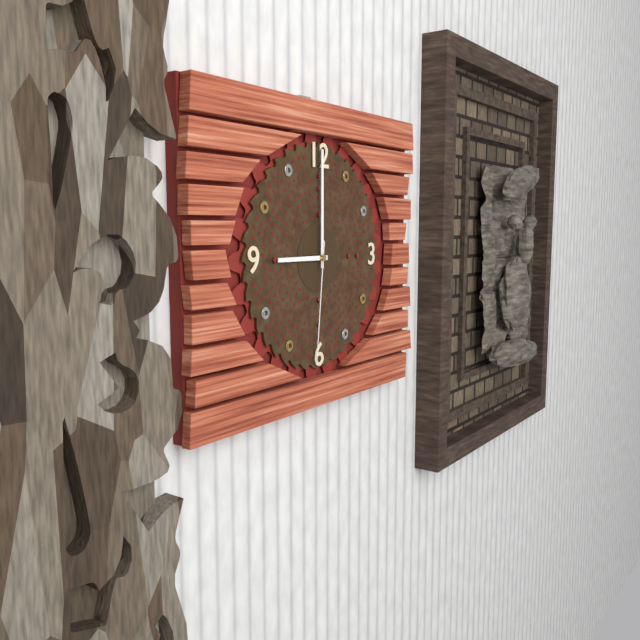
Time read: 9 h 00 min 31 s
